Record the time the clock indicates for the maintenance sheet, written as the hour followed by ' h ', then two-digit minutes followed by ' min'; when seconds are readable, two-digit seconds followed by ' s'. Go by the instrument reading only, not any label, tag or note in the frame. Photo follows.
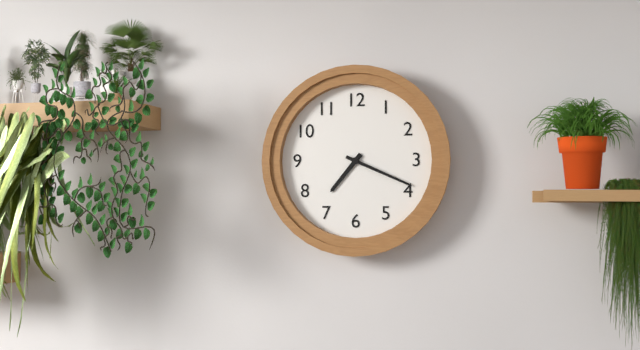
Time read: 7 h 19 min
